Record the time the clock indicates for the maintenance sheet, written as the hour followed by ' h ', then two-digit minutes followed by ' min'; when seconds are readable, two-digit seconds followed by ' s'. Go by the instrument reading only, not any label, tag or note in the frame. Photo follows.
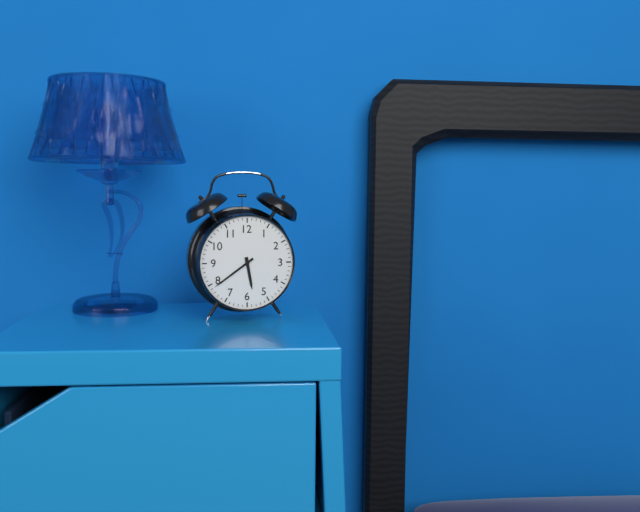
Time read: 5 h 39 min
